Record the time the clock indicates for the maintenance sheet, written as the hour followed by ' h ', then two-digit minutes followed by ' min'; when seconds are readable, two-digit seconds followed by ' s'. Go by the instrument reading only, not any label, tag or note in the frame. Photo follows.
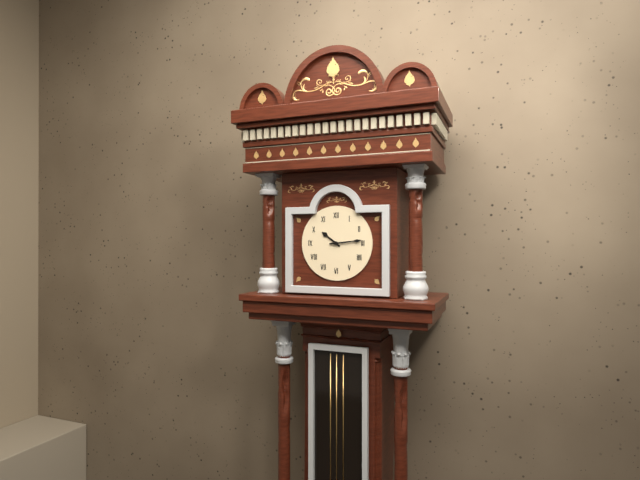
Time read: 10 h 14 min
